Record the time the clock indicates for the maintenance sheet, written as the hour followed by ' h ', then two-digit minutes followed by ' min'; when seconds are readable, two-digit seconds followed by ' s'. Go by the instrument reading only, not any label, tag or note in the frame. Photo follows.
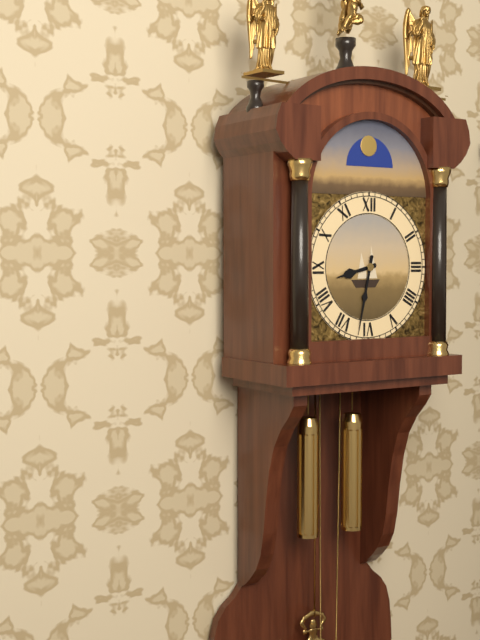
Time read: 8 h 32 min
